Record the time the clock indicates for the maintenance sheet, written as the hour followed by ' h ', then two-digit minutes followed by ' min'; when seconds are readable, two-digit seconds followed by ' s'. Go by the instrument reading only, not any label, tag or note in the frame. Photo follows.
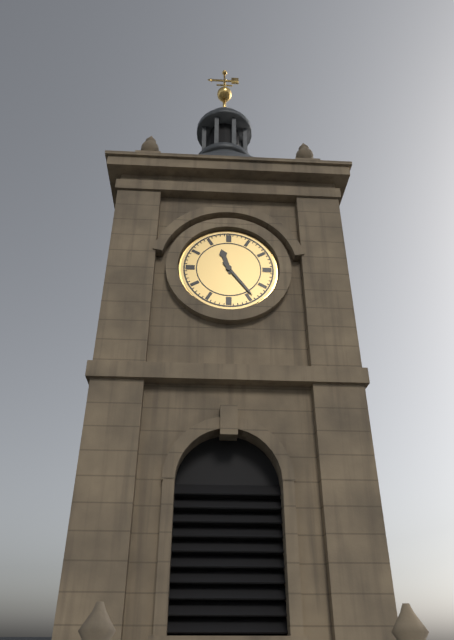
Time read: 11 h 24 min
